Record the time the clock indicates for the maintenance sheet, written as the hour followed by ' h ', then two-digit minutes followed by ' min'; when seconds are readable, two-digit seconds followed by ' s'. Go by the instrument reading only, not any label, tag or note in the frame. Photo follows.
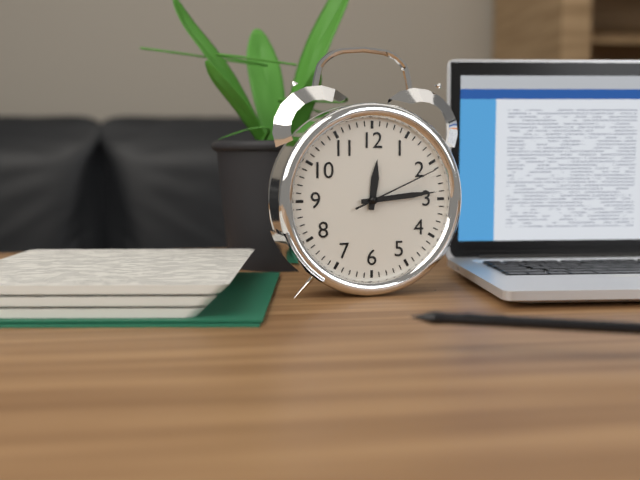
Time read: 12 h 14 min 11 s
